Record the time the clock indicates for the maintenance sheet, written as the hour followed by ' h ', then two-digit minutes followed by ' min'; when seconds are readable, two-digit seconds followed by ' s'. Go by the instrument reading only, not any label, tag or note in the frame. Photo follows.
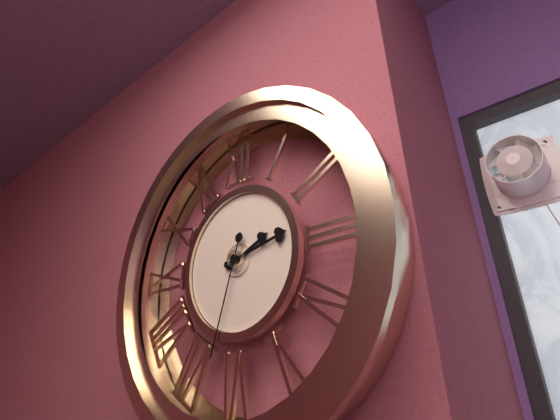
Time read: 2 h 13 min 33 s
